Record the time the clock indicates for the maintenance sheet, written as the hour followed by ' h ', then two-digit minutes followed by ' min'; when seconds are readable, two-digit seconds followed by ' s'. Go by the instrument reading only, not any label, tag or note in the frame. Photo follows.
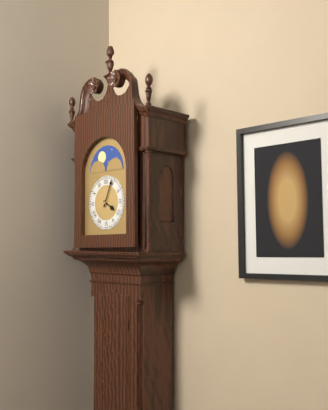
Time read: 4 h 04 min
